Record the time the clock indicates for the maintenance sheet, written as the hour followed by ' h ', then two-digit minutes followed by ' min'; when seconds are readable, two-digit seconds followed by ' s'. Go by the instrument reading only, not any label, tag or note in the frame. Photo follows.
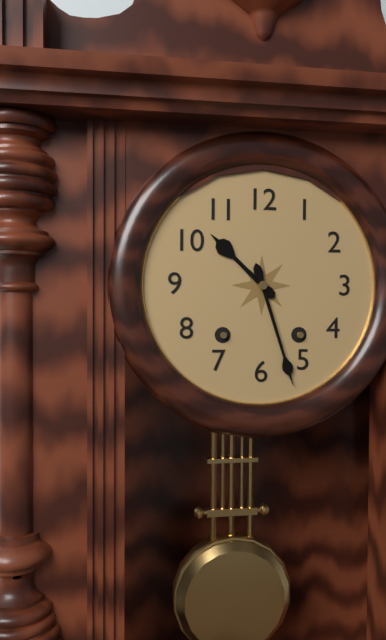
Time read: 10 h 27 min
